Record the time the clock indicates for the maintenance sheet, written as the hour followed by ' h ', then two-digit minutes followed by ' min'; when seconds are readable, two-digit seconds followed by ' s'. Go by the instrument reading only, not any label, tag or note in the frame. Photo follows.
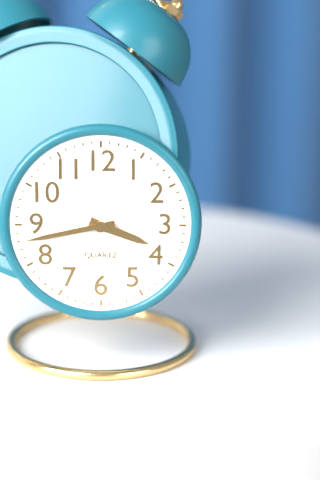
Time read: 3 h 43 min
